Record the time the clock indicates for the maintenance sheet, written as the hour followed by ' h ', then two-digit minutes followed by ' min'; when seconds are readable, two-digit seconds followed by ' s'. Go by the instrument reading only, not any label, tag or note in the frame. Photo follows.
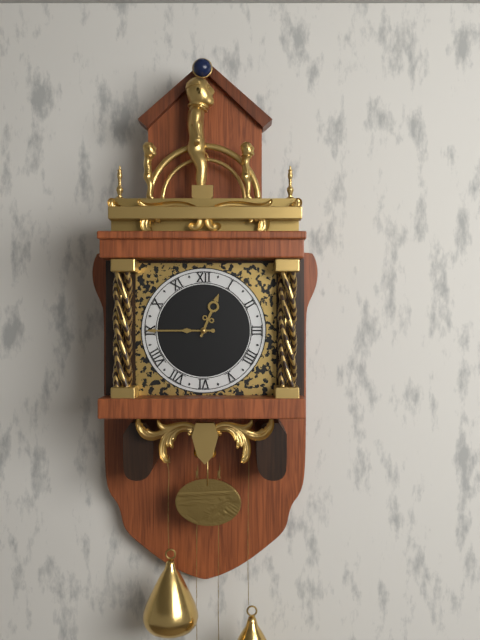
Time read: 12 h 45 min
